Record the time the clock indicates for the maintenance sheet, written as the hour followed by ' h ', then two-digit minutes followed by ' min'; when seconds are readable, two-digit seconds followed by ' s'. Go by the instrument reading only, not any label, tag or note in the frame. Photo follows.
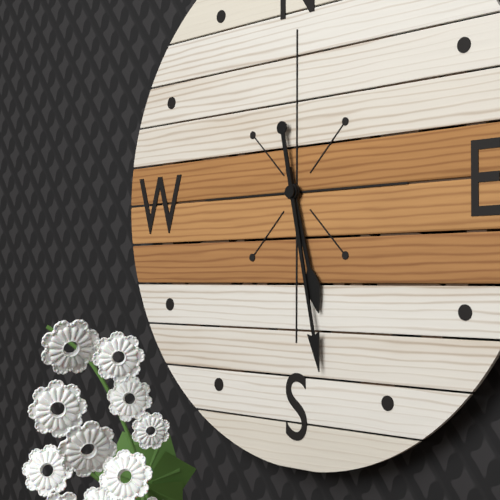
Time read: 5 h 28 min
